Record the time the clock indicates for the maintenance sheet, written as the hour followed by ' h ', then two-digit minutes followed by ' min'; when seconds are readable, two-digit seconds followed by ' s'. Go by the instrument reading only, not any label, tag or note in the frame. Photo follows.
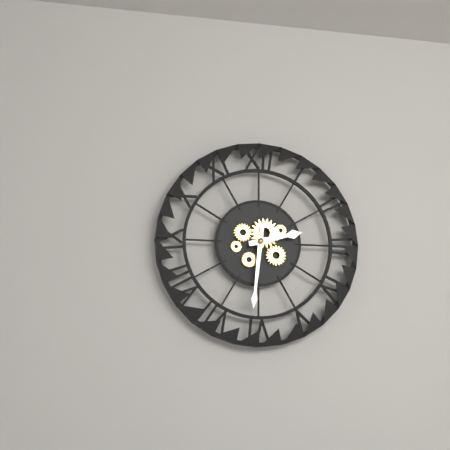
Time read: 2 h 31 min
